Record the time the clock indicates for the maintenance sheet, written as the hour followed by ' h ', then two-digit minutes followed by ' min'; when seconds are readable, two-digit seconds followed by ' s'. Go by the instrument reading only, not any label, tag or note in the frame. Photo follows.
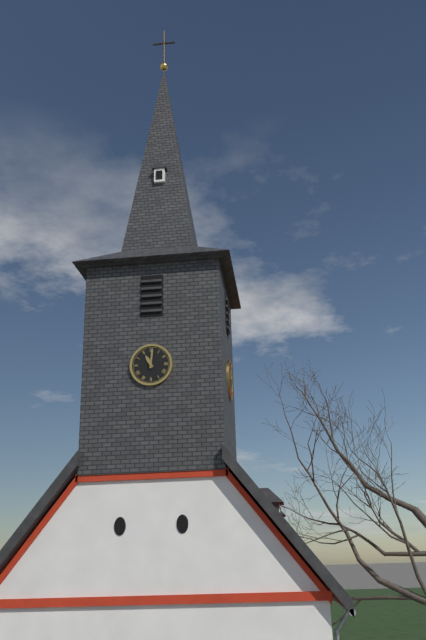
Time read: 11 h 01 min
